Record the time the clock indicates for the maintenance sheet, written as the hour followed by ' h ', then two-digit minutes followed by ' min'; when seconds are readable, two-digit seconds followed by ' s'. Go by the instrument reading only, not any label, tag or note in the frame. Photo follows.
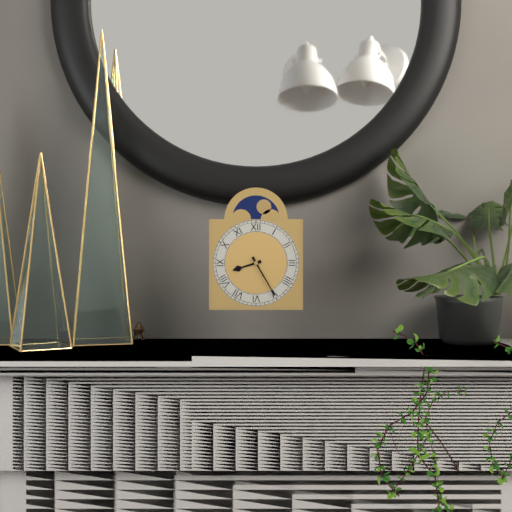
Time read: 8 h 25 min
